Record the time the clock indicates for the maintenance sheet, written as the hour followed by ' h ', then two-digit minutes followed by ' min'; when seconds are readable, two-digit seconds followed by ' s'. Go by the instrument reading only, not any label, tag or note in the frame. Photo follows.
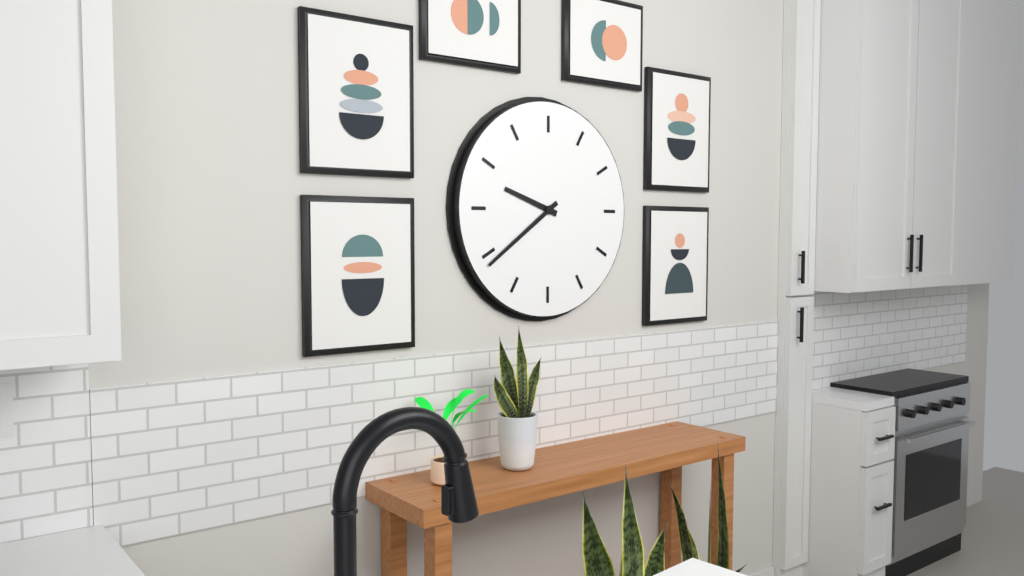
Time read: 9 h 39 min
